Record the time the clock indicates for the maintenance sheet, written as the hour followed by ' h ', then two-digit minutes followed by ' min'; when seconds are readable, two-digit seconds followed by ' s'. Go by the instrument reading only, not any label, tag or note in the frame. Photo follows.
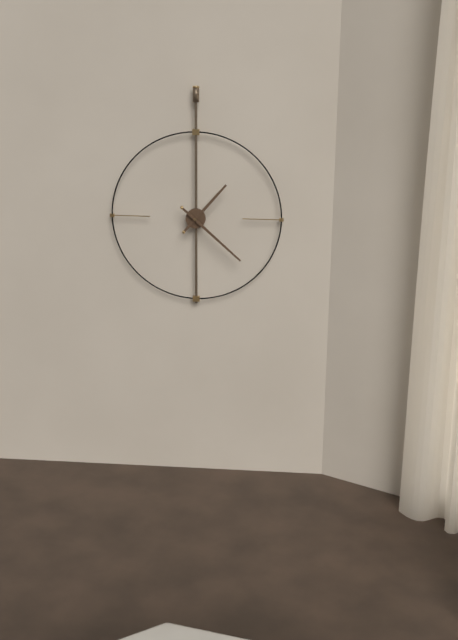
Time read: 1 h 22 min
